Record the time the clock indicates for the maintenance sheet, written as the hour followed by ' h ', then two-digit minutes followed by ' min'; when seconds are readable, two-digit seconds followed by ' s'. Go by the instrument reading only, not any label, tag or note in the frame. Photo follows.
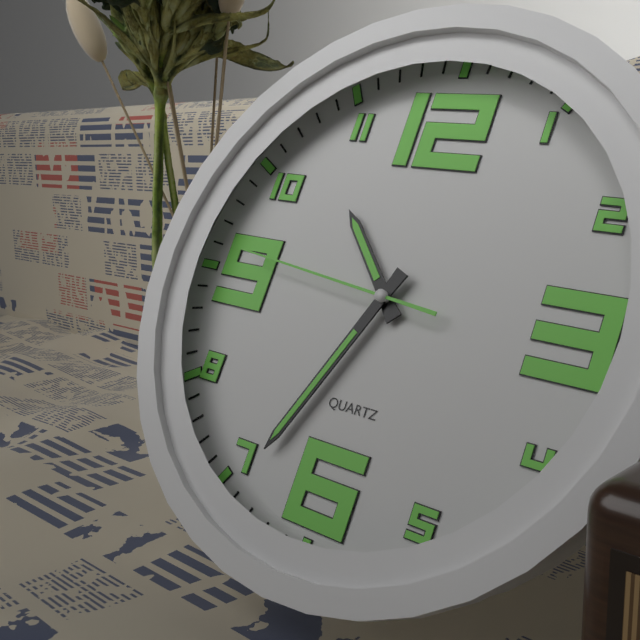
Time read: 10 h 34 min 46 s
